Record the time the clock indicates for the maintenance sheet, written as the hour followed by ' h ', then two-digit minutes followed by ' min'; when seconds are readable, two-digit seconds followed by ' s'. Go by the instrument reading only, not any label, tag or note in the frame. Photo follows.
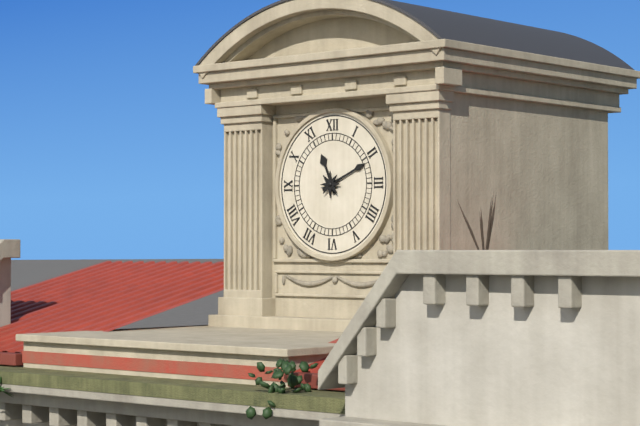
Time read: 11 h 11 min
